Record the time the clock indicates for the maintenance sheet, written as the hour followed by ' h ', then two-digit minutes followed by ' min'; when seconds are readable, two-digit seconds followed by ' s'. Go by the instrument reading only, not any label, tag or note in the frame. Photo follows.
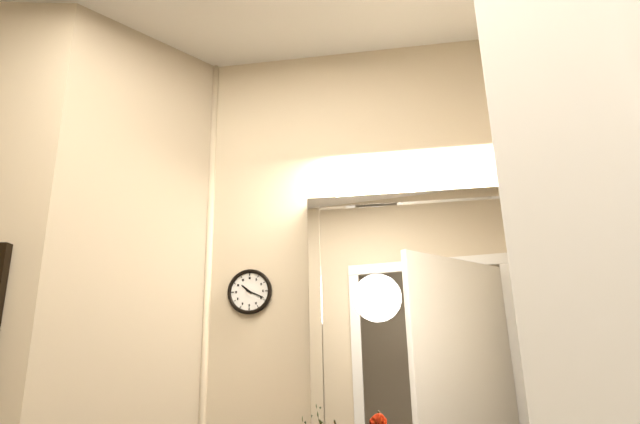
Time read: 10 h 19 min
